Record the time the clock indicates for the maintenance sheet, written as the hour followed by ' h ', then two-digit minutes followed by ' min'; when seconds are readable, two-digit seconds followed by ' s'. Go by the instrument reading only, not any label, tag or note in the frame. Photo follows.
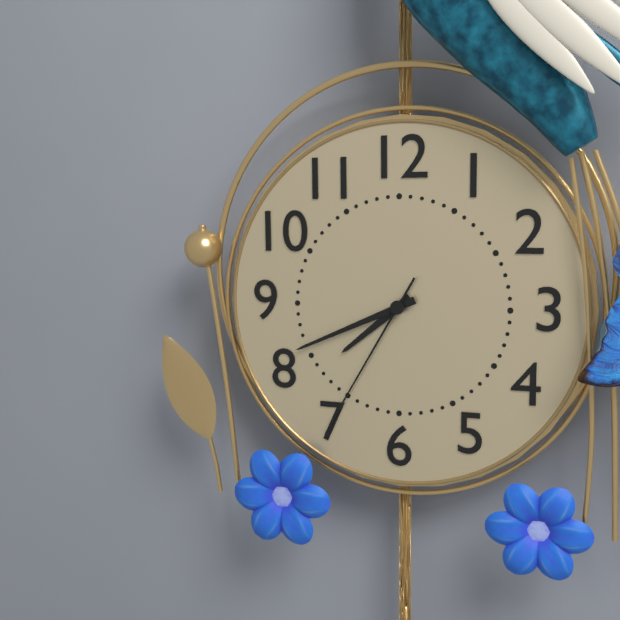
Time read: 7 h 41 min 35 s
